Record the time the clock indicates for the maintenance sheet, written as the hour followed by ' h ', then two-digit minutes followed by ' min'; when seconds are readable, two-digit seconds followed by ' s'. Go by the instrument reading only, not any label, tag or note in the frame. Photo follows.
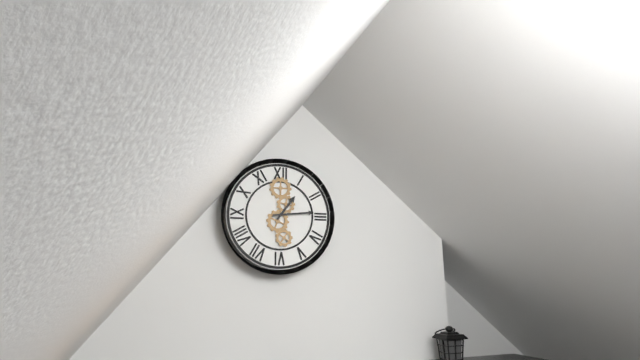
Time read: 1 h 14 min
